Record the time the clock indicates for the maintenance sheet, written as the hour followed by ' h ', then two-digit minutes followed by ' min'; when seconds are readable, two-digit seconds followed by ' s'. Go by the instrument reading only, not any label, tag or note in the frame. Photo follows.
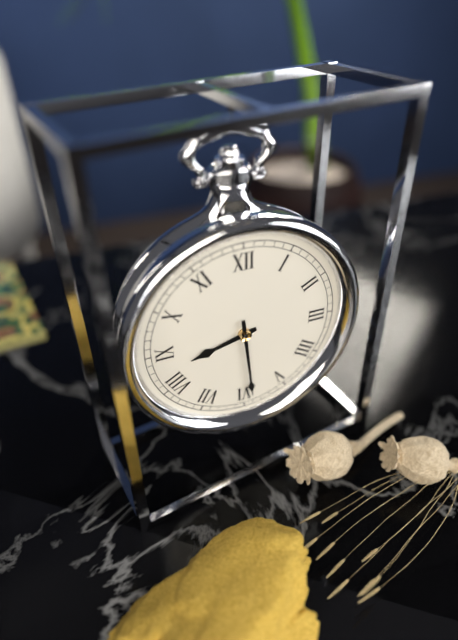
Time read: 8 h 29 min
